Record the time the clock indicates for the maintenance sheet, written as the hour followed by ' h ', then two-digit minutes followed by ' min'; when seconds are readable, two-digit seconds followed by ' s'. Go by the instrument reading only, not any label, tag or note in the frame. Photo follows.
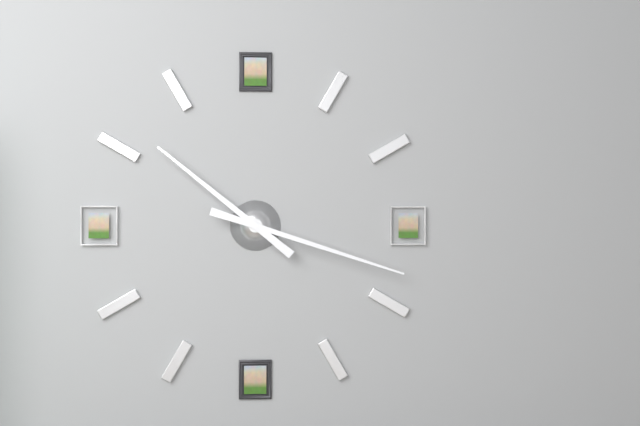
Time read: 10 h 18 min
